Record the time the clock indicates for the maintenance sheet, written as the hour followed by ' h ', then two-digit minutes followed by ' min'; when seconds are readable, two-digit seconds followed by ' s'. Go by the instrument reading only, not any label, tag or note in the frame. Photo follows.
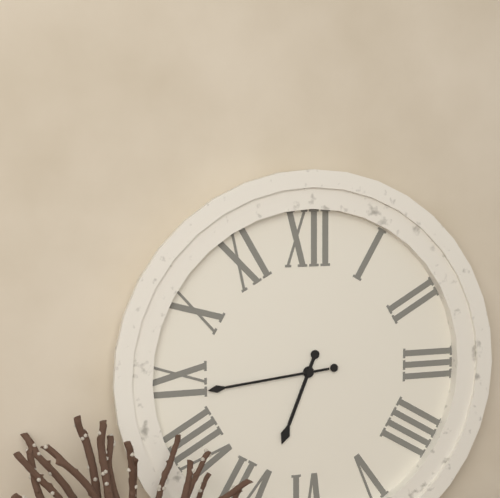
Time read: 6 h 44 min
